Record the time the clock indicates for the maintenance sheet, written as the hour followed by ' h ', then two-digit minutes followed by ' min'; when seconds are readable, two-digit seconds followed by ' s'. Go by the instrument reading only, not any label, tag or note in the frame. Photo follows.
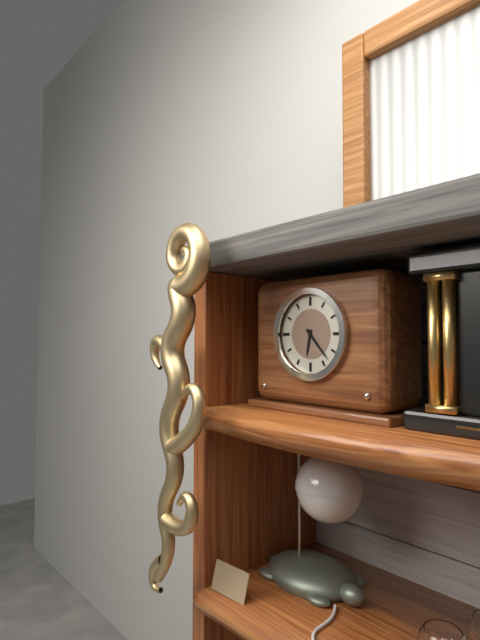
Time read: 6 h 23 min
